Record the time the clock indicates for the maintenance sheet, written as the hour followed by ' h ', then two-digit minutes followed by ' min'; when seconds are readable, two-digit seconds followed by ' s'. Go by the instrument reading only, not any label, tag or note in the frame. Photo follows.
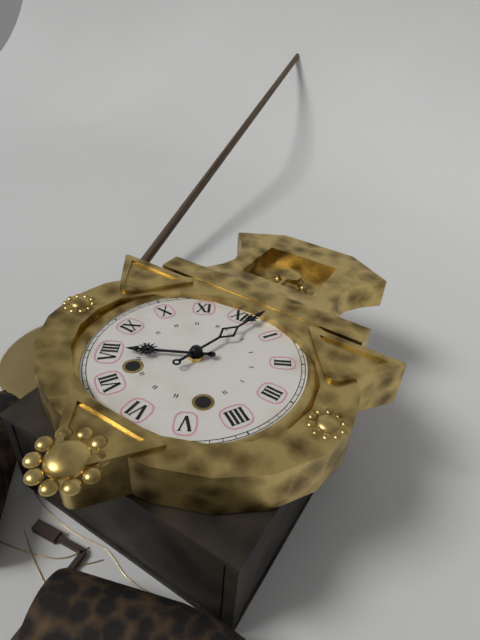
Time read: 8 h 02 min
